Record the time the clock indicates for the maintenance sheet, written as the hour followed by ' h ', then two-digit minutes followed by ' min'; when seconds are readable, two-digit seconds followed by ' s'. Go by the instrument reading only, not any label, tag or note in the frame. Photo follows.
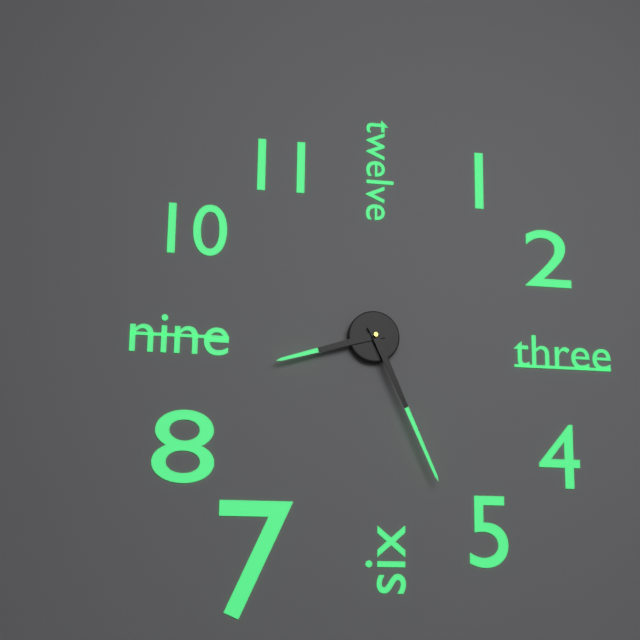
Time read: 8 h 26 min
